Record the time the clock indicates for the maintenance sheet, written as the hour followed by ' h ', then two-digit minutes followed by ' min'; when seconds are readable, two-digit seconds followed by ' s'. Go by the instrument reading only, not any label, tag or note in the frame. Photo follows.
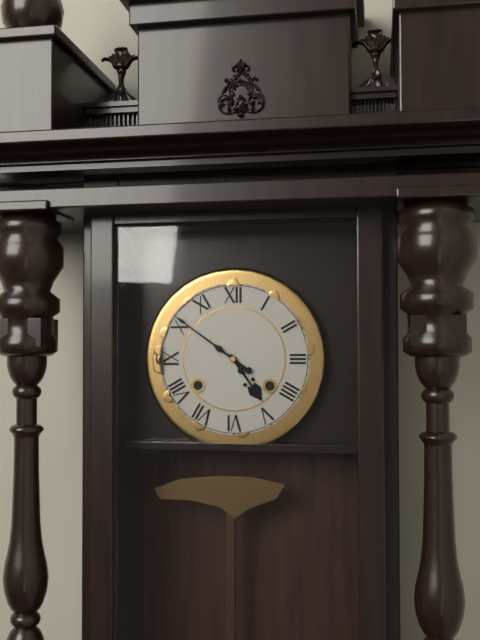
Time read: 4 h 51 min
